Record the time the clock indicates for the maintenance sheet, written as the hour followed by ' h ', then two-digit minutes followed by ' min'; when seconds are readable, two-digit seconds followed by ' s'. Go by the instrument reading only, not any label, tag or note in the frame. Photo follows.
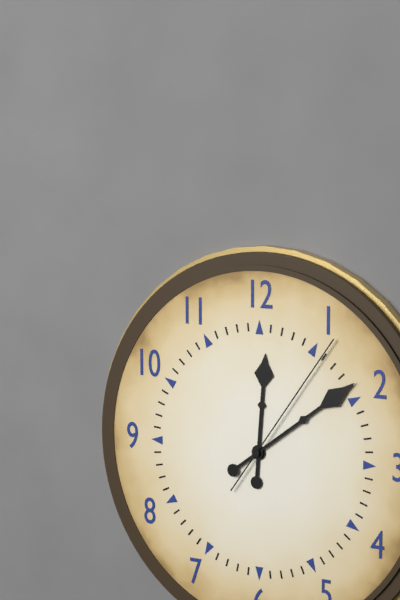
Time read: 12 h 09 min 06 s
